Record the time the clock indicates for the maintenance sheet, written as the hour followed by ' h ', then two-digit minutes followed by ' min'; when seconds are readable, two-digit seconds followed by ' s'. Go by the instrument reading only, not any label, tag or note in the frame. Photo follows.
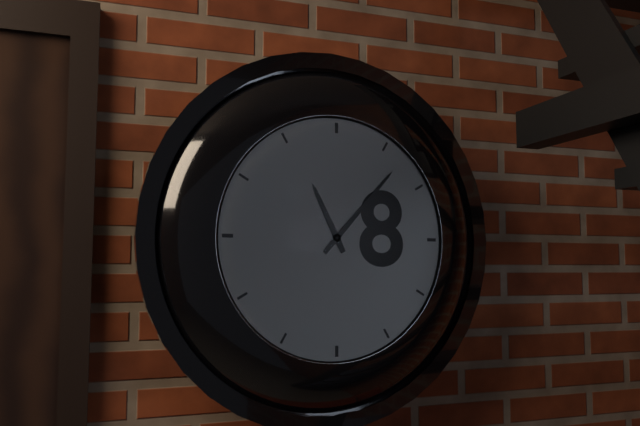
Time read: 11 h 07 min
